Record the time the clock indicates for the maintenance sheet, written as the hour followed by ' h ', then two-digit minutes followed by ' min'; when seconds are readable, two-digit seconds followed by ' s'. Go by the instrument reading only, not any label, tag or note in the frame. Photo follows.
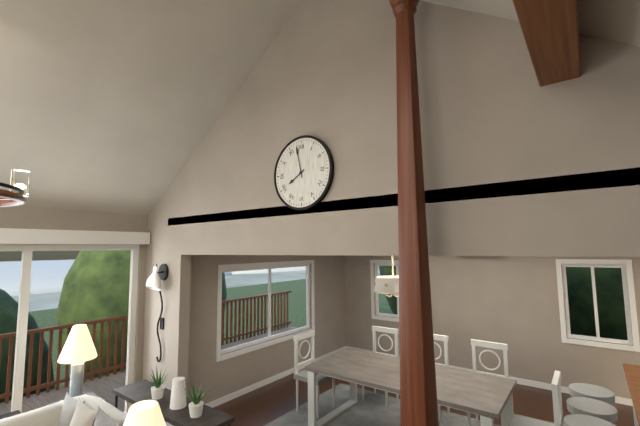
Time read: 7 h 58 min
